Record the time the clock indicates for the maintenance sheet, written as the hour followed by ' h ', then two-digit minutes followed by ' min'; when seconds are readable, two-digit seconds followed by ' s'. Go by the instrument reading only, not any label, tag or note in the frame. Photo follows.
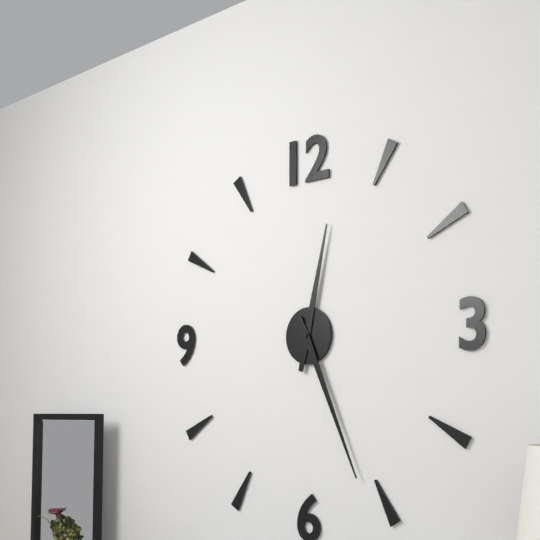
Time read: 12 h 26 min
